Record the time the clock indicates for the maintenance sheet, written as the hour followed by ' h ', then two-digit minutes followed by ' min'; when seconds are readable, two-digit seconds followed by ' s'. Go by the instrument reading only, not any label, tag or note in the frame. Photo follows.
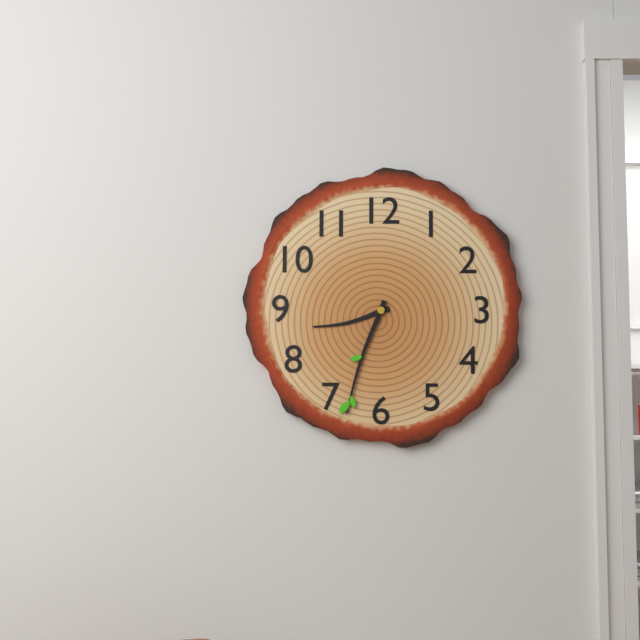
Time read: 8 h 33 min
